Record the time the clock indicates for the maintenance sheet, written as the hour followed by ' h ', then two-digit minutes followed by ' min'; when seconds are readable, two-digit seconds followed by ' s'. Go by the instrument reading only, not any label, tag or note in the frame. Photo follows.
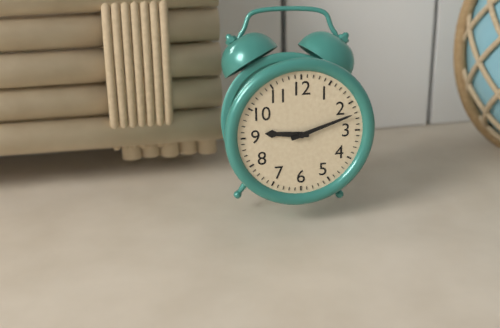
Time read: 9 h 12 min
